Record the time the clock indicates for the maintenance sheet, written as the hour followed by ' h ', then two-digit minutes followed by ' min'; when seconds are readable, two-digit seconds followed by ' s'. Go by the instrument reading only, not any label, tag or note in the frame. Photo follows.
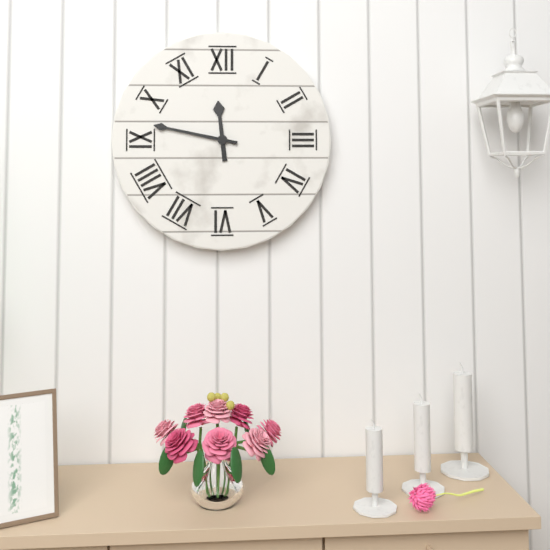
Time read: 11 h 47 min
